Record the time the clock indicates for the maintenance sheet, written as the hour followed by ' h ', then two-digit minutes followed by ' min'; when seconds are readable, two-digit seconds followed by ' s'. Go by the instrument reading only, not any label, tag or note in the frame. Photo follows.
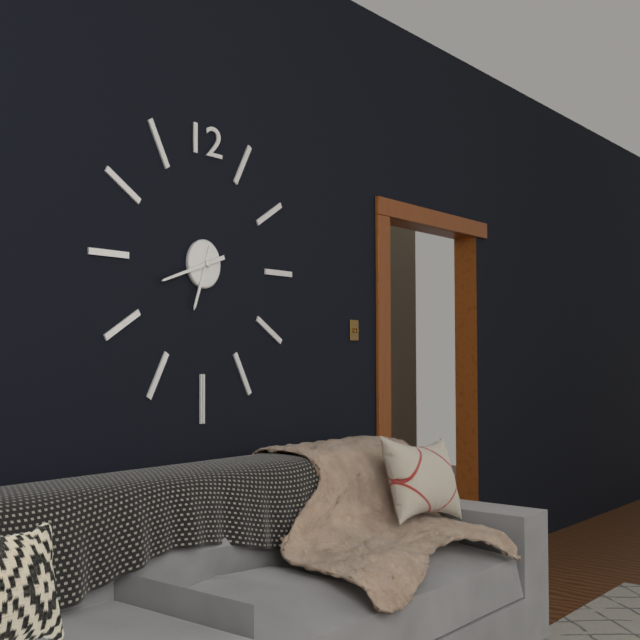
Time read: 6 h 42 min
